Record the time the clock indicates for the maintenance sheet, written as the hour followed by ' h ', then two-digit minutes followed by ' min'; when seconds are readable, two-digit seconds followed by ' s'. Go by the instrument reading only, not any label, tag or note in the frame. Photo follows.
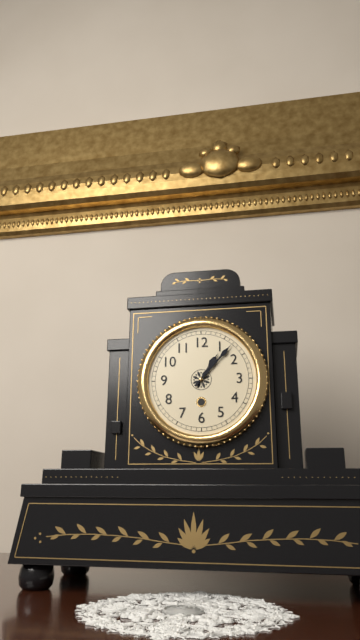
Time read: 1 h 07 min
